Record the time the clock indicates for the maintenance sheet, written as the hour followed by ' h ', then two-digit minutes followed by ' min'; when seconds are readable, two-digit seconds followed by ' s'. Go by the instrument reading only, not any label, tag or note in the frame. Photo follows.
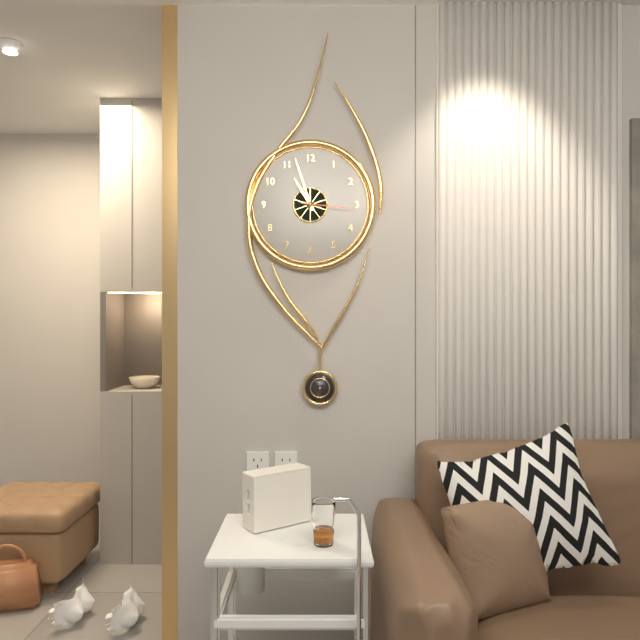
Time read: 10 h 57 min 16 s
